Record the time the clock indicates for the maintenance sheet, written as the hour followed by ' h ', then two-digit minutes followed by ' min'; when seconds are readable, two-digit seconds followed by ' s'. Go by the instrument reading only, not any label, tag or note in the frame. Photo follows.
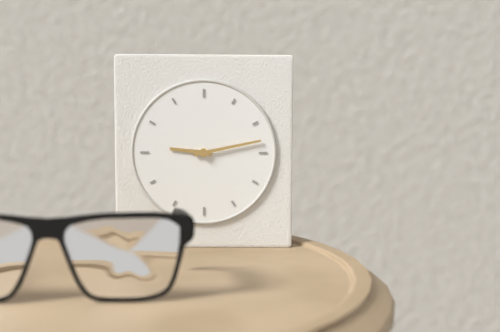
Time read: 9 h 13 min
